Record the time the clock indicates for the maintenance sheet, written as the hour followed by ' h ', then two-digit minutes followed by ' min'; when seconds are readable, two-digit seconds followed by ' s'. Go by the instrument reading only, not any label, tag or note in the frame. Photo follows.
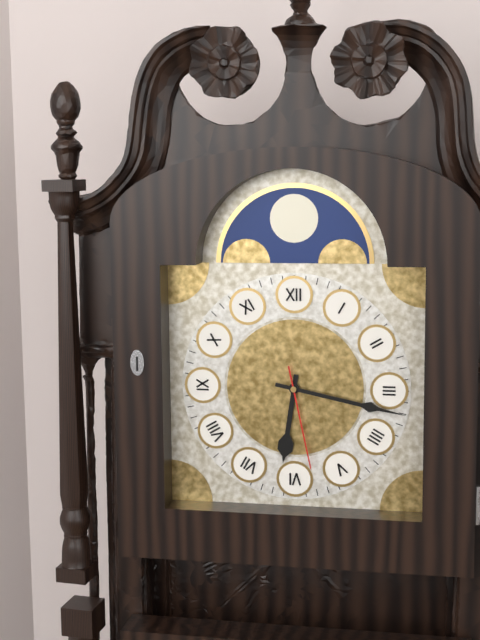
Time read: 6 h 17 min 28 s
